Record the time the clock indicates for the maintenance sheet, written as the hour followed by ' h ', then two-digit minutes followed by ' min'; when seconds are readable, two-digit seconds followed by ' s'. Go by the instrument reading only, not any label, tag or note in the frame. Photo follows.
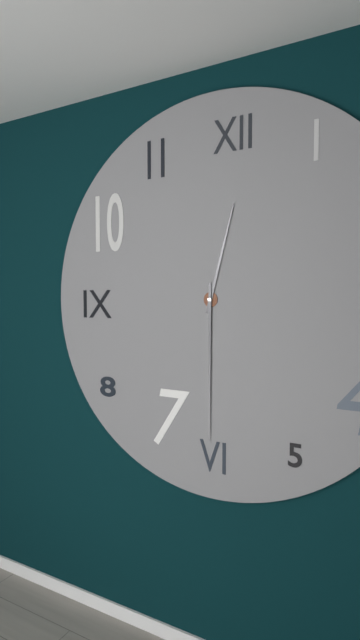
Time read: 12 h 30 min
